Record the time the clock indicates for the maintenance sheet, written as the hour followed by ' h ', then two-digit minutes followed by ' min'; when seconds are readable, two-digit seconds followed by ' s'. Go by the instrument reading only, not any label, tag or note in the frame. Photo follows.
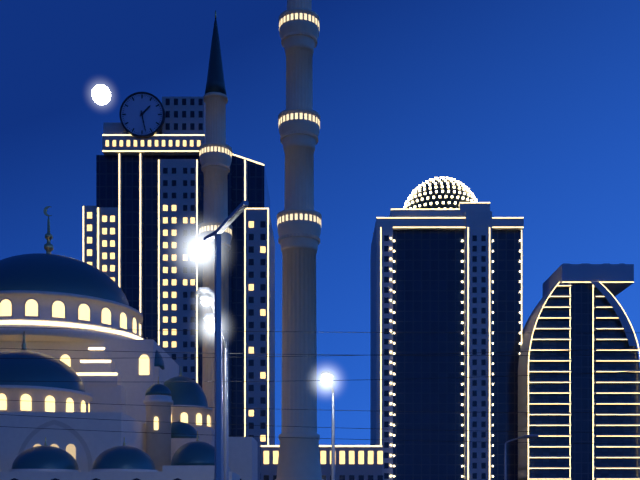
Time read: 1 h 28 min
